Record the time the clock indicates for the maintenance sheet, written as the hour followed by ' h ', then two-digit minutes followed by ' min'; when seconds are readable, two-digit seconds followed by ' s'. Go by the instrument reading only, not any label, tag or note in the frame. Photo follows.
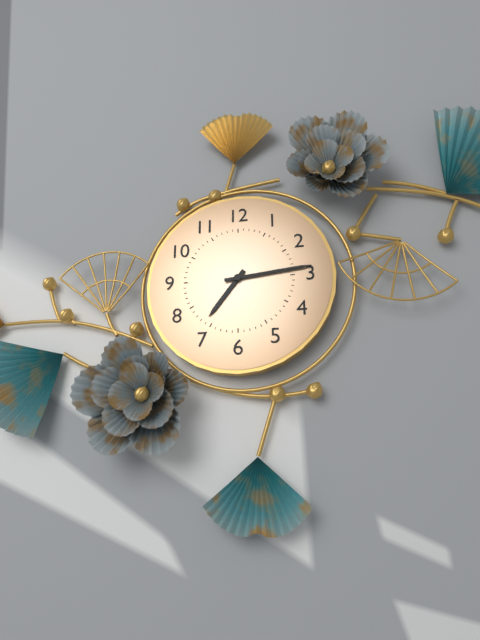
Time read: 7 h 14 min
